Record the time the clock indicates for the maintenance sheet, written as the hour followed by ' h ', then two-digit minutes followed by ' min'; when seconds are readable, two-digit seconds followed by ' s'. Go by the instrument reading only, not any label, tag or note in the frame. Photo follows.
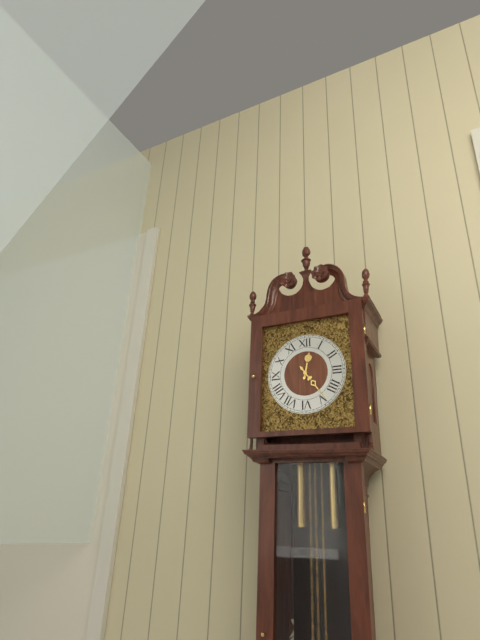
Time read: 12 h 24 min
